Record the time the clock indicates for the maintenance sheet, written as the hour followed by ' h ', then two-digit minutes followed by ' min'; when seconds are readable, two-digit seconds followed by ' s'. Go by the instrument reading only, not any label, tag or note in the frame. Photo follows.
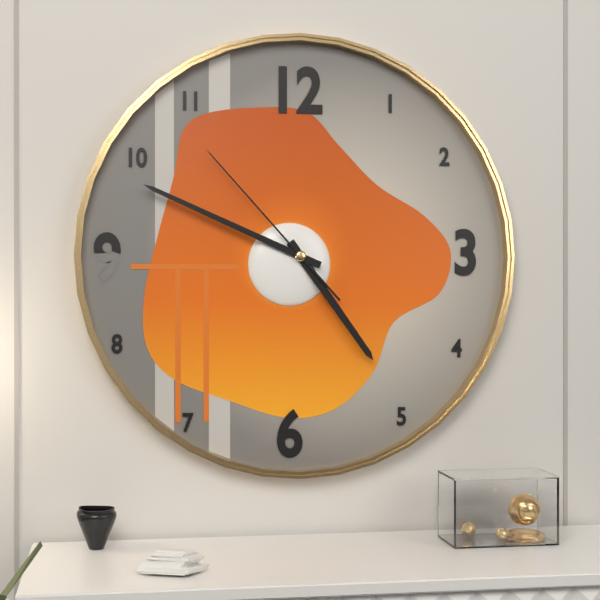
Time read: 4 h 49 min 53 s
